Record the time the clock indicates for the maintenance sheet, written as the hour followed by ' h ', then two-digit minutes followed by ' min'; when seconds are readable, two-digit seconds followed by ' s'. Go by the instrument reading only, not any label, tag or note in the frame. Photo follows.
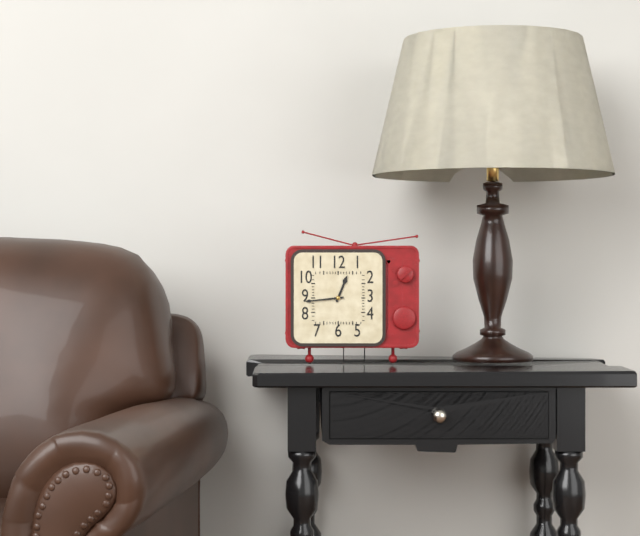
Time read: 12 h 44 min
